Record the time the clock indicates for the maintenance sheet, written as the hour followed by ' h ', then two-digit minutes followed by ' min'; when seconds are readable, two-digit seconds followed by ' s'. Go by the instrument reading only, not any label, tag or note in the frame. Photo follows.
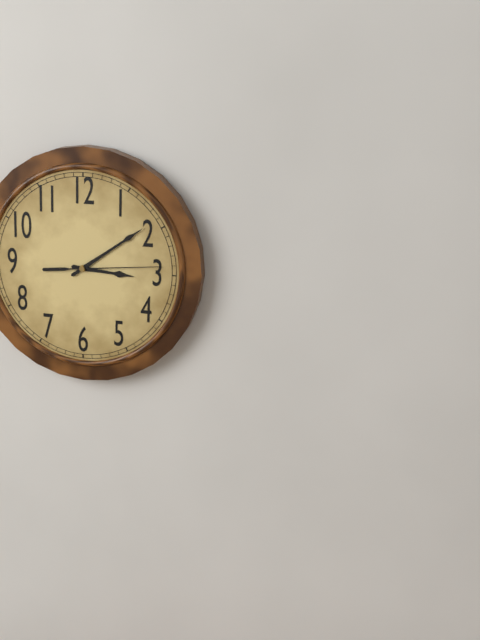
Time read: 3 h 09 min 14 s
